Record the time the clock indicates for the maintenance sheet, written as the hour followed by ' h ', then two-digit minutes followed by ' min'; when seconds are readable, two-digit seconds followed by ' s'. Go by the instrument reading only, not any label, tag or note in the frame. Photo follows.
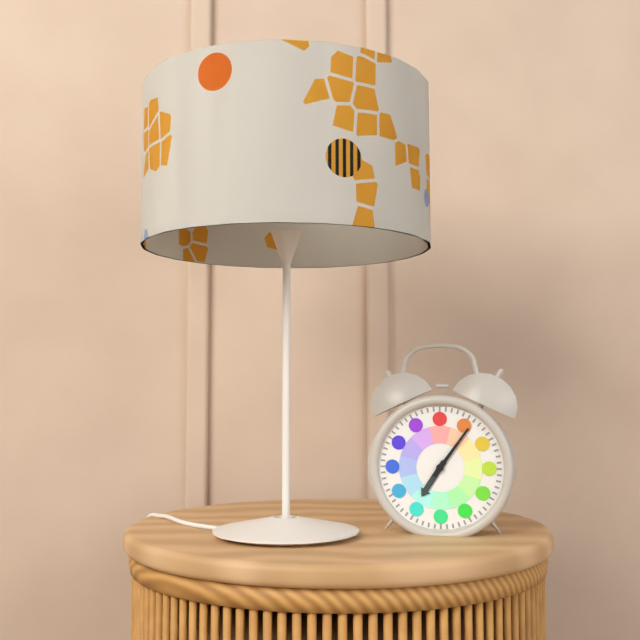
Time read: 7 h 06 min
